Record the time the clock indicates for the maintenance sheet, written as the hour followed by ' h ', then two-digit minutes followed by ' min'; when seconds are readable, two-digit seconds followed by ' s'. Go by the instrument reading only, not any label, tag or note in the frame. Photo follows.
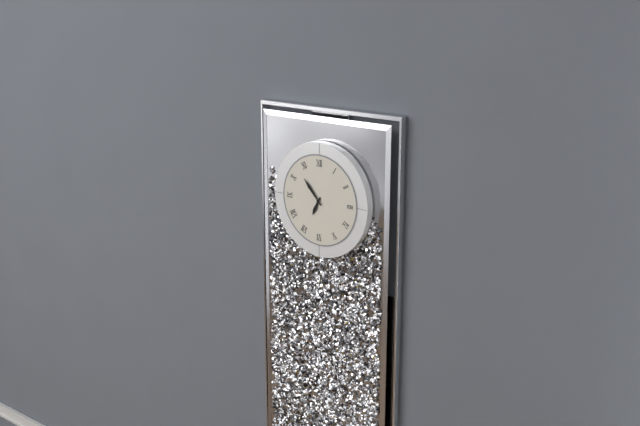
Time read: 6 h 53 min
